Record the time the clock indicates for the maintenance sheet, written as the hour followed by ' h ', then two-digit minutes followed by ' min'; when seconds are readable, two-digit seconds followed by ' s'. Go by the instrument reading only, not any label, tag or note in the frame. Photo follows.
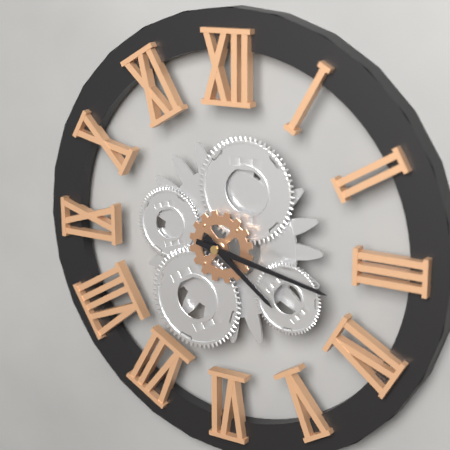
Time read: 4 h 17 min
